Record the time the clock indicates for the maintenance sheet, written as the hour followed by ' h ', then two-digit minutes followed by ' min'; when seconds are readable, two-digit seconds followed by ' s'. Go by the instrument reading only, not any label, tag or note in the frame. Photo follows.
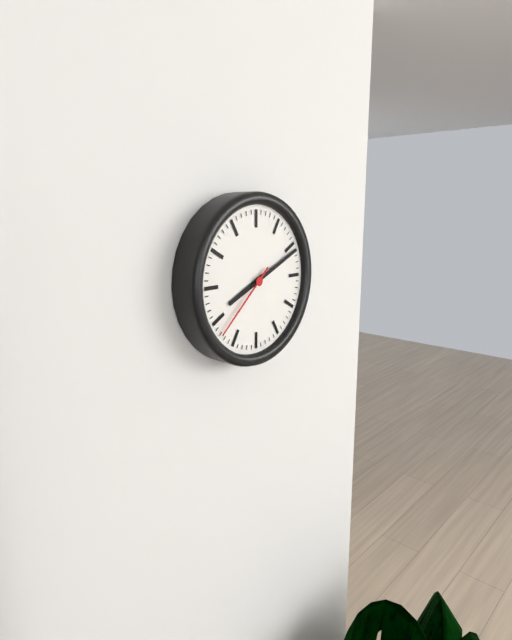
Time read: 8 h 11 min 38 s
